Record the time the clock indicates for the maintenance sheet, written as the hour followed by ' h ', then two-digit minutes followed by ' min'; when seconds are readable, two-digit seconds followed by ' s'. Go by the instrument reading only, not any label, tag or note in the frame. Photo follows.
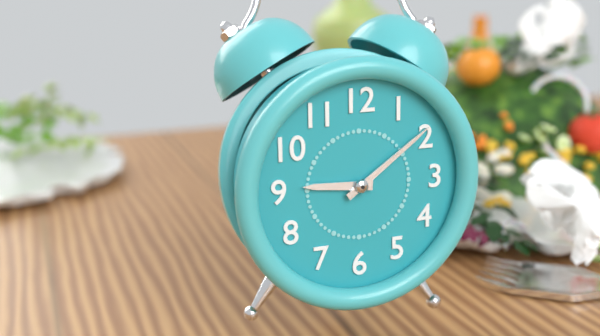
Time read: 9 h 09 min
